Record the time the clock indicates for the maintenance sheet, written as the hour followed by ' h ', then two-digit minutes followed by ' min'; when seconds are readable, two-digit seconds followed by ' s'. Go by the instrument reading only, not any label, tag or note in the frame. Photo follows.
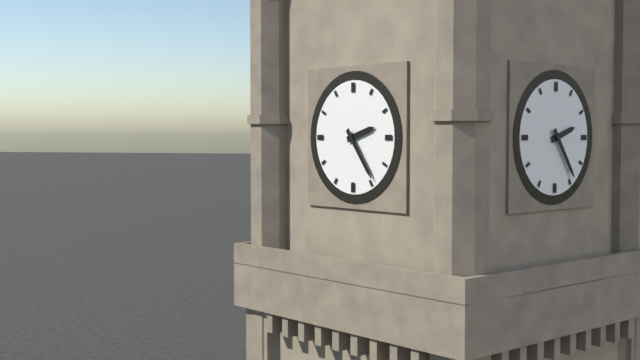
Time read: 2 h 24 min
